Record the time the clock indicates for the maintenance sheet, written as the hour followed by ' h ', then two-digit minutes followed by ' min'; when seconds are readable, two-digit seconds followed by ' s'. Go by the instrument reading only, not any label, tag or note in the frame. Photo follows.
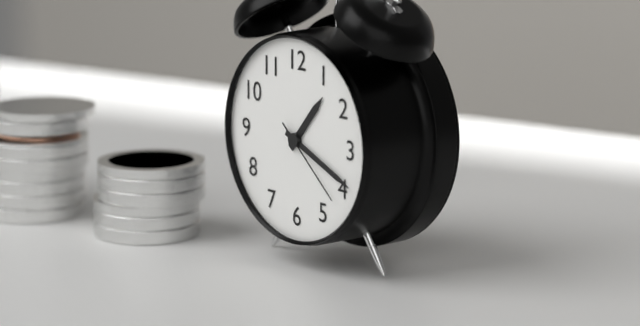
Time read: 1 h 19 min 22 s
